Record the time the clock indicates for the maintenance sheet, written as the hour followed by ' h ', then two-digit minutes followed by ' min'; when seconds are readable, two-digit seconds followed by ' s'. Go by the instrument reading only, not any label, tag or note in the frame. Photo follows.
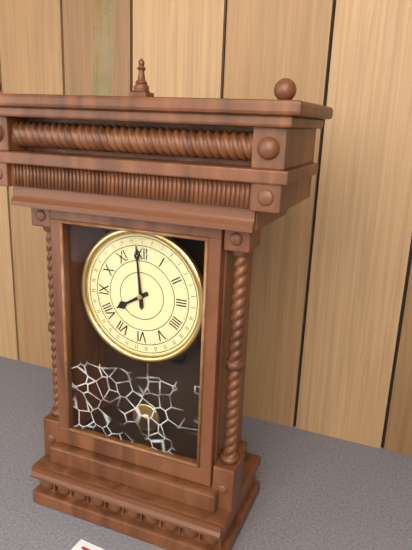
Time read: 7 h 59 min
